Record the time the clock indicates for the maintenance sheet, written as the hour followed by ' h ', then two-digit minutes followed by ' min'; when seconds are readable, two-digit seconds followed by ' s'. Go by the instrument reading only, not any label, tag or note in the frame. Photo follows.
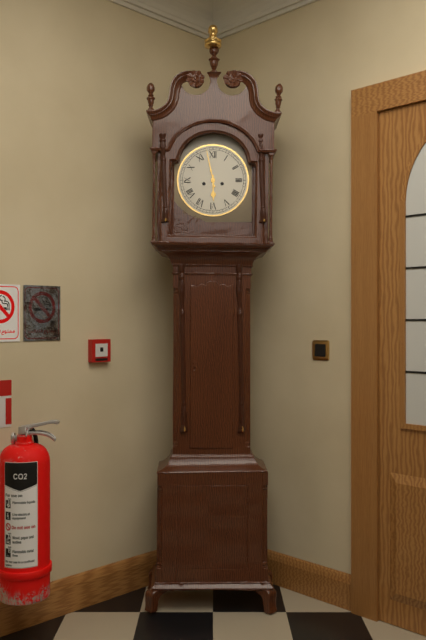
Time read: 5 h 58 min
